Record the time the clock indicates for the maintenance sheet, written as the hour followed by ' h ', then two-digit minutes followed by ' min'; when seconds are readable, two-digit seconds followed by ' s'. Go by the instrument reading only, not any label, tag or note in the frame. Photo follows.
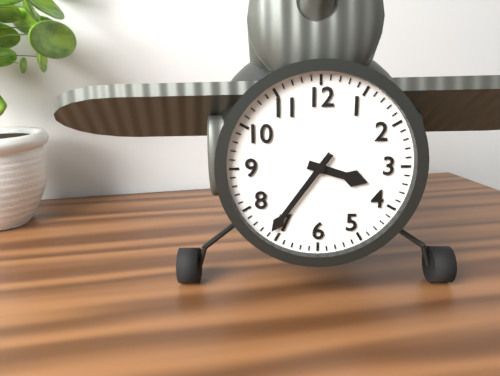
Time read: 3 h 36 min
